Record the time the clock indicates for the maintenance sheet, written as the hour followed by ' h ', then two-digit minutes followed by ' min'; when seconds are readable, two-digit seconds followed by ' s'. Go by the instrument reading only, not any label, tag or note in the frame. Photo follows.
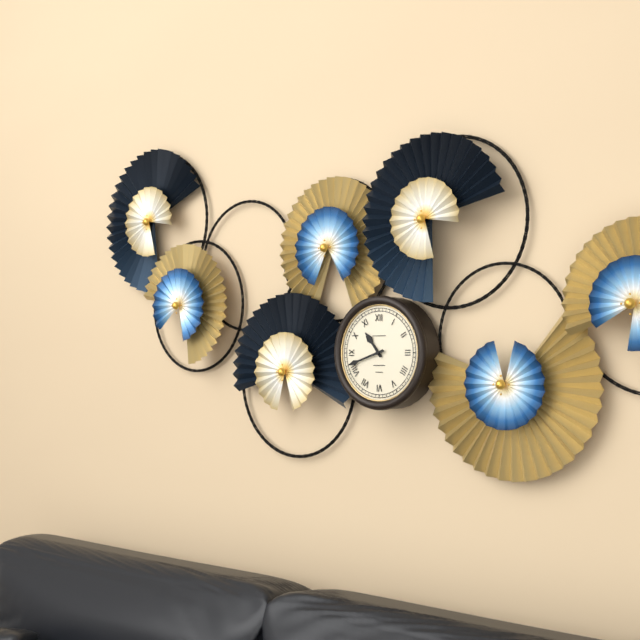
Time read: 10 h 42 min
